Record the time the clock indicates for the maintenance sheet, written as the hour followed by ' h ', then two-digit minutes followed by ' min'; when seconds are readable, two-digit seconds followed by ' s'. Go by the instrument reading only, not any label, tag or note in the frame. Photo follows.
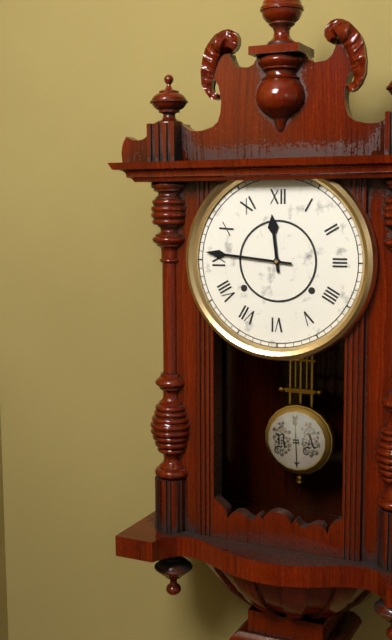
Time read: 11 h 46 min
